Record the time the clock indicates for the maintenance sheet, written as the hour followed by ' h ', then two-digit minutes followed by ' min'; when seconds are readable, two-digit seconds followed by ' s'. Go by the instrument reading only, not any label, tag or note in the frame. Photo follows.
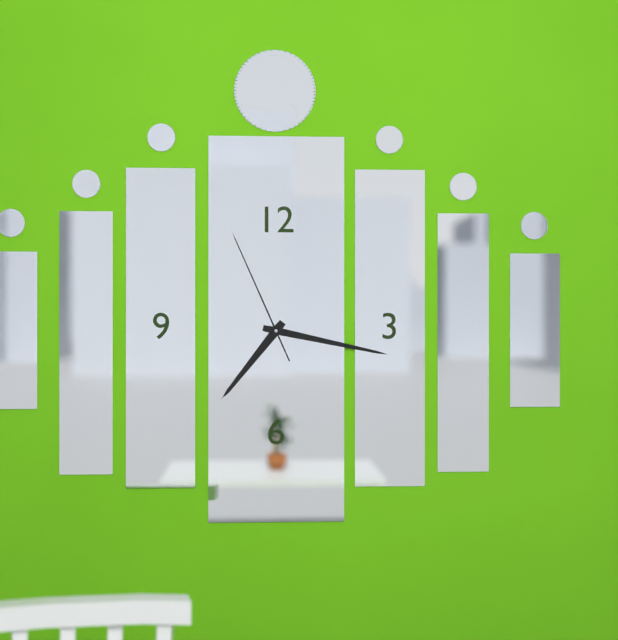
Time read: 7 h 17 min 56 s
